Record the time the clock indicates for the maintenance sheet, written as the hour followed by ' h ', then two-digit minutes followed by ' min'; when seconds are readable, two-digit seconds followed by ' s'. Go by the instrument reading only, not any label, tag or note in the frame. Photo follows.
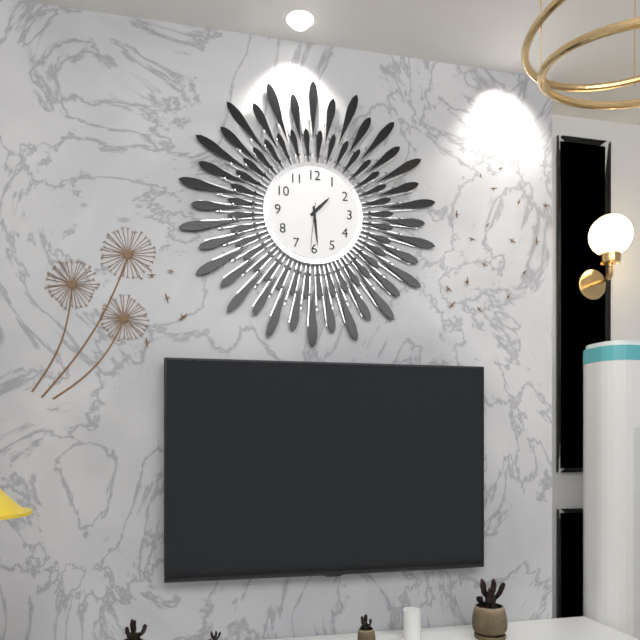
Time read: 1 h 29 min
